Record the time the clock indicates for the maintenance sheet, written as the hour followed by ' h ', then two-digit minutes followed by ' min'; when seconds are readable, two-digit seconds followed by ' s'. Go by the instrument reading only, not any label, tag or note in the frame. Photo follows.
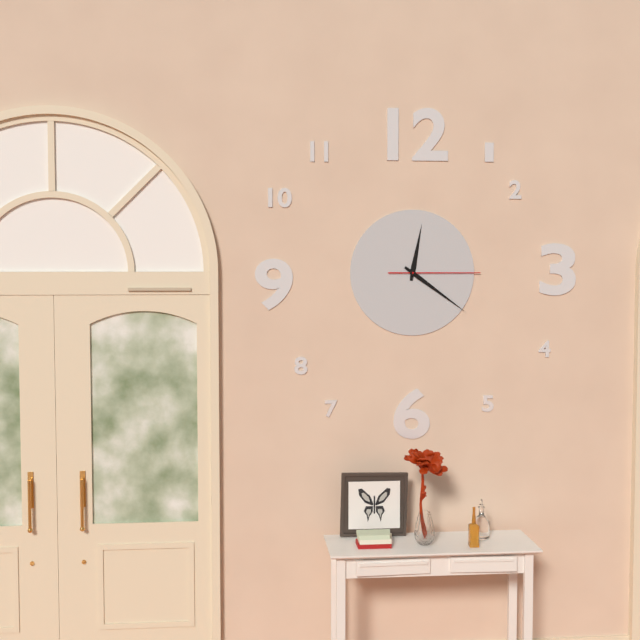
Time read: 12 h 21 min 15 s
